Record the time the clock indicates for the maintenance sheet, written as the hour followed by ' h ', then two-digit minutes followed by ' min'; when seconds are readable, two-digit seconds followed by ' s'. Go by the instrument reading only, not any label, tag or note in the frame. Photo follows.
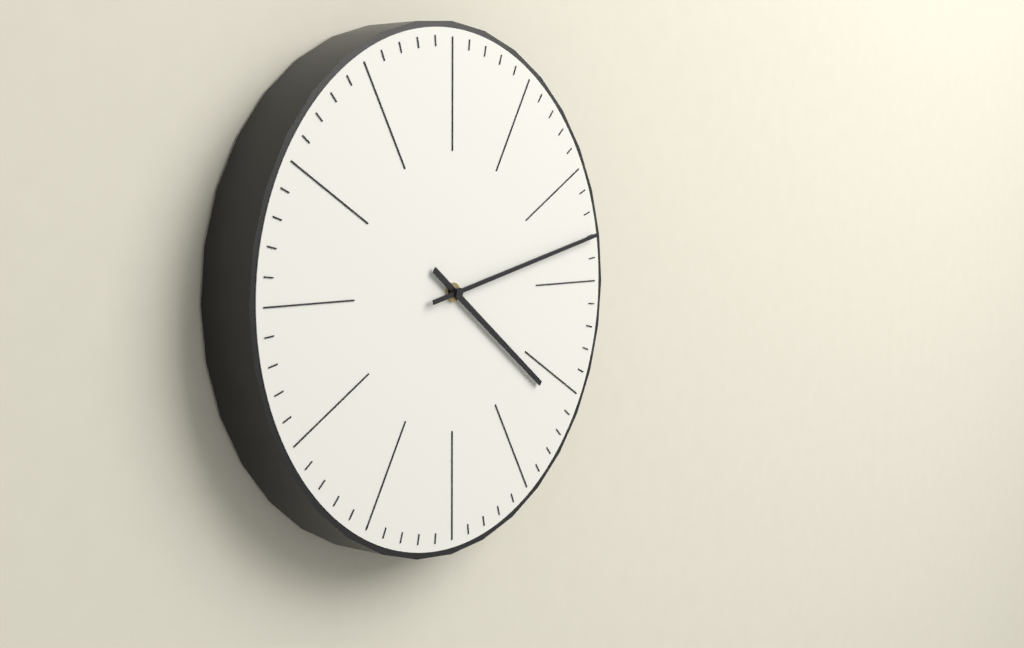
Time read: 4 h 13 min
